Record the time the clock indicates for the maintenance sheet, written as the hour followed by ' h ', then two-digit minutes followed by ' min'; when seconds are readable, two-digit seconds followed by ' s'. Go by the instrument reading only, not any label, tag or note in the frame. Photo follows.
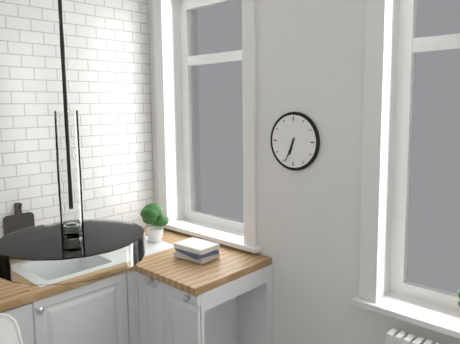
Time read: 6 h 34 min
